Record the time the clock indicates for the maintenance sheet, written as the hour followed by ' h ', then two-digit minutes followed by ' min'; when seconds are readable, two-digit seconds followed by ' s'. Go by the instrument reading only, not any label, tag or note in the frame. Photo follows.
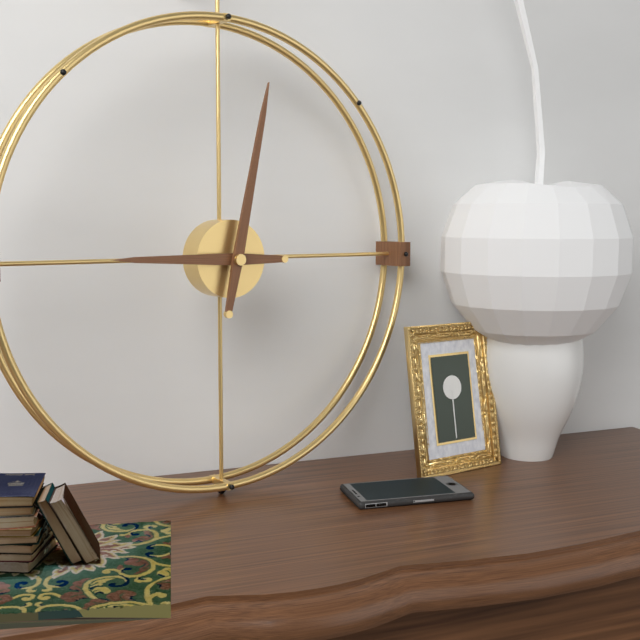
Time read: 9 h 02 min
